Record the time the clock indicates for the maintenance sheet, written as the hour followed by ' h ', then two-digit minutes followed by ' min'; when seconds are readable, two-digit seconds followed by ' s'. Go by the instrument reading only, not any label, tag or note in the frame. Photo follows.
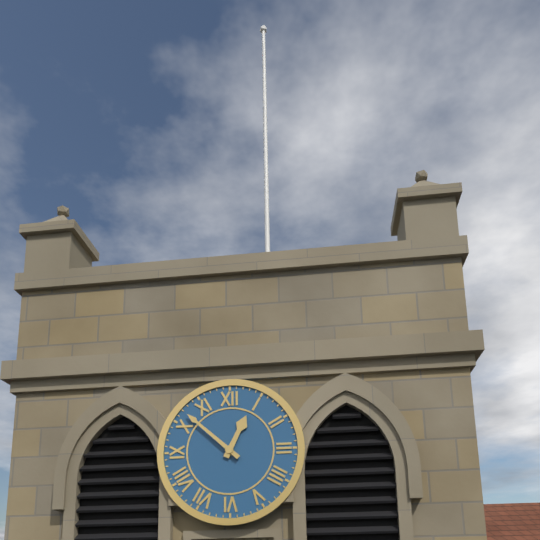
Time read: 12 h 52 min
